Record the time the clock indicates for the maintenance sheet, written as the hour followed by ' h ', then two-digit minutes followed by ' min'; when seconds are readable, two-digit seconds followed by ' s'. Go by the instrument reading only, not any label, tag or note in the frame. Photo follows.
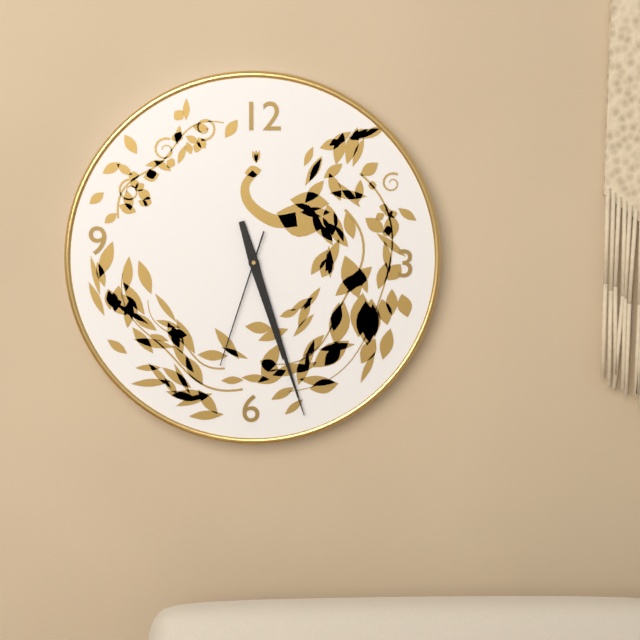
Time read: 5 h 27 min 33 s
